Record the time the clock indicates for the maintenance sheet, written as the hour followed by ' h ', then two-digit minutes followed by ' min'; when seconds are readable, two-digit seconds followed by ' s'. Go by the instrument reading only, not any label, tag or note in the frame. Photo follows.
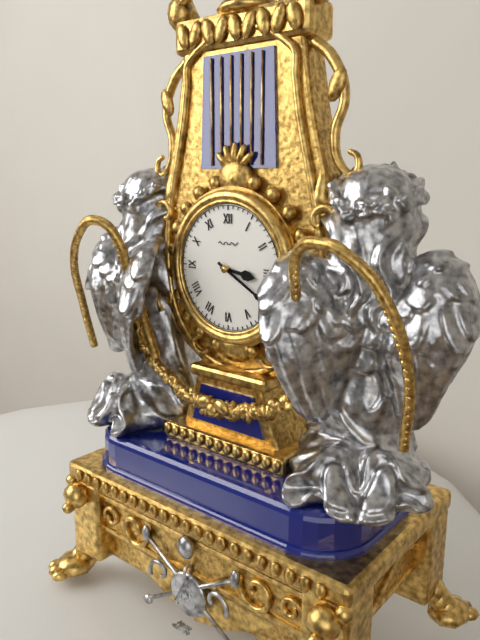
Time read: 3 h 20 min
